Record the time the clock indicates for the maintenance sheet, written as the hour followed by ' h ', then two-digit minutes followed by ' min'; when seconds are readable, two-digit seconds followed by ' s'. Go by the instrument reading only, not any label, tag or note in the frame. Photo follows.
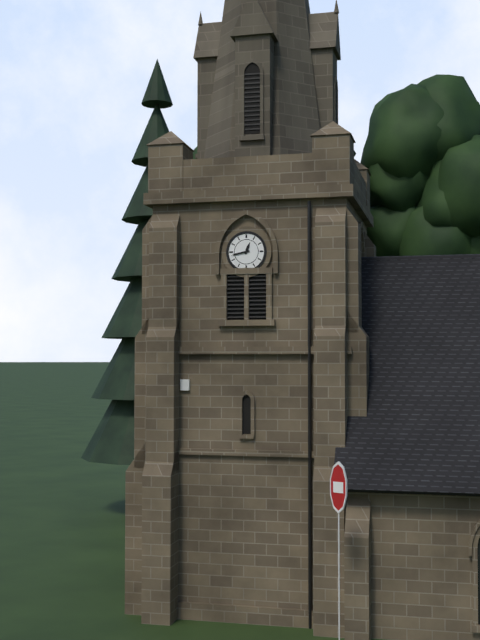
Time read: 12 h 43 min
